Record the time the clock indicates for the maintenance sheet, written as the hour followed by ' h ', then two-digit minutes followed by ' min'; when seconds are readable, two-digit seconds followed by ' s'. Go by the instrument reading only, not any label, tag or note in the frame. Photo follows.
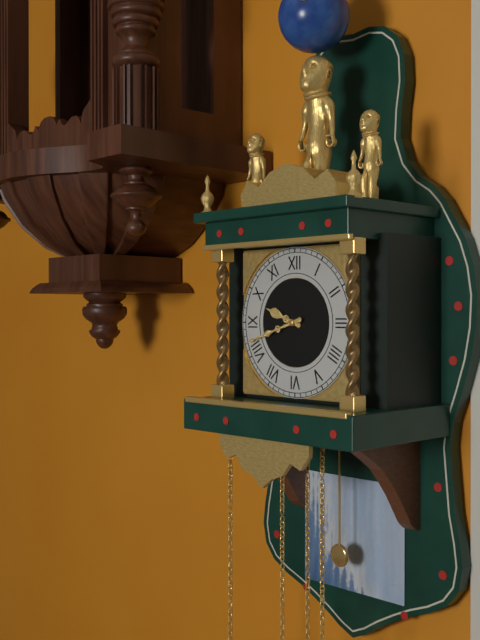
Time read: 9 h 42 min
